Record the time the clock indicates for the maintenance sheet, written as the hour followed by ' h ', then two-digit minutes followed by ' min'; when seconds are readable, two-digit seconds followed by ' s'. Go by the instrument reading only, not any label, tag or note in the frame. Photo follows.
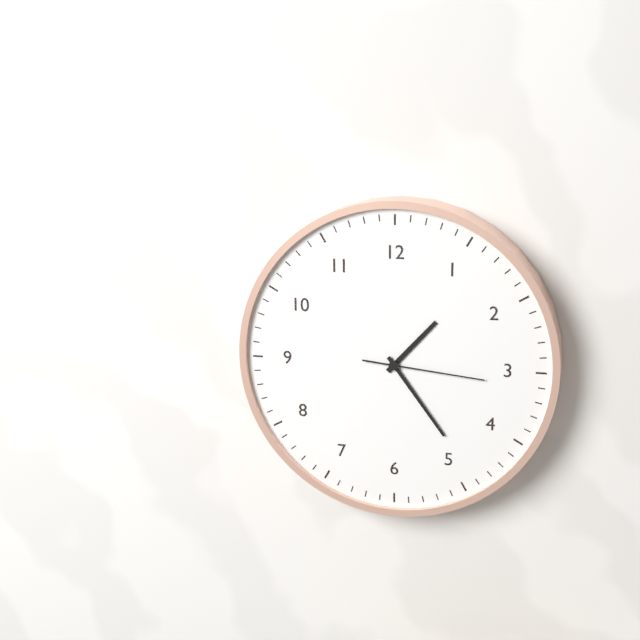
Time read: 1 h 24 min 16 s
